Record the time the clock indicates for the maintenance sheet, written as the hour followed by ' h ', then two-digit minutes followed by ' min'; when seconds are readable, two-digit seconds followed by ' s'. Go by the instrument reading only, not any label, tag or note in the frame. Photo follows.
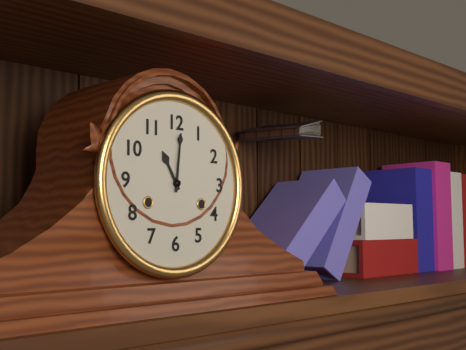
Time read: 11 h 01 min
